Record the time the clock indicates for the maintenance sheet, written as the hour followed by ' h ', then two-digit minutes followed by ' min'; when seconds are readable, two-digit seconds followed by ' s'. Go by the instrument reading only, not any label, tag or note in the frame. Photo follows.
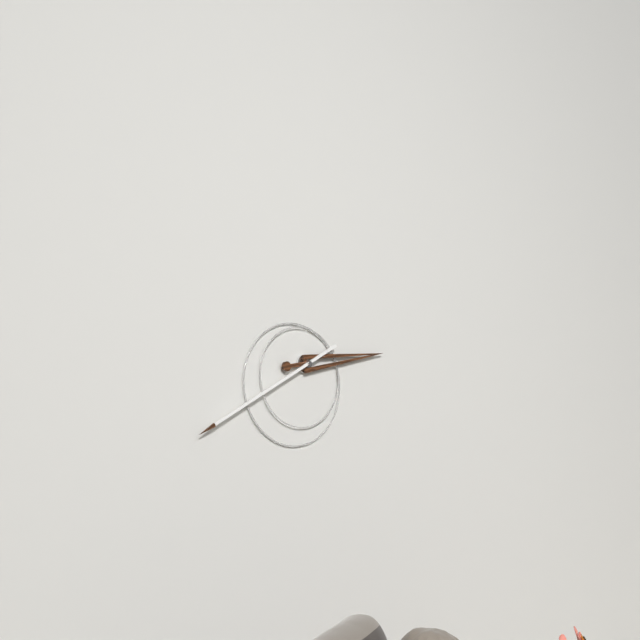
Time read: 2 h 40 min
